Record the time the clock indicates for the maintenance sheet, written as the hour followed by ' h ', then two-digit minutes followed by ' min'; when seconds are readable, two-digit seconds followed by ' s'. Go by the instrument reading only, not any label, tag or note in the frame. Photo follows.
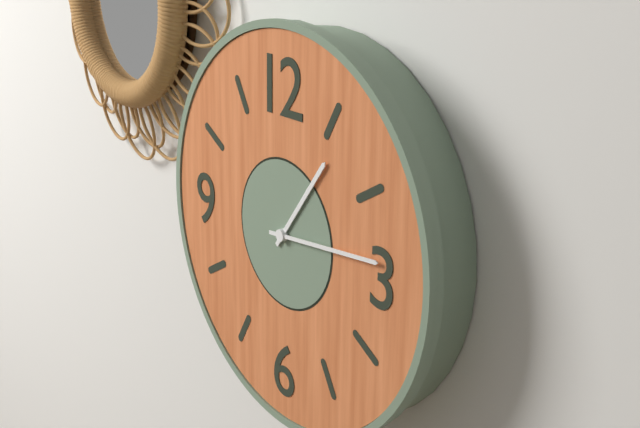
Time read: 1 h 14 min
